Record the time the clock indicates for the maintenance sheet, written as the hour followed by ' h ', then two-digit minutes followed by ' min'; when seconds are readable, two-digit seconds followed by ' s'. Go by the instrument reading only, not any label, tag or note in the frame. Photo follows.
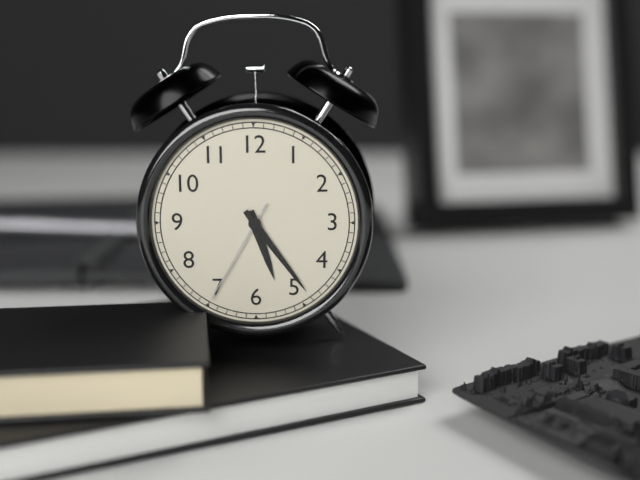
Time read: 5 h 24 min 35 s
